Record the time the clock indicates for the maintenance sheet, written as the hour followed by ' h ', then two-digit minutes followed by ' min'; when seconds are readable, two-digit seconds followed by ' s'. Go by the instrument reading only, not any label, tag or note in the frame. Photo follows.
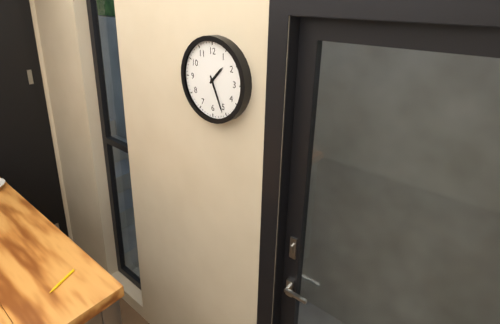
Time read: 1 h 26 min
